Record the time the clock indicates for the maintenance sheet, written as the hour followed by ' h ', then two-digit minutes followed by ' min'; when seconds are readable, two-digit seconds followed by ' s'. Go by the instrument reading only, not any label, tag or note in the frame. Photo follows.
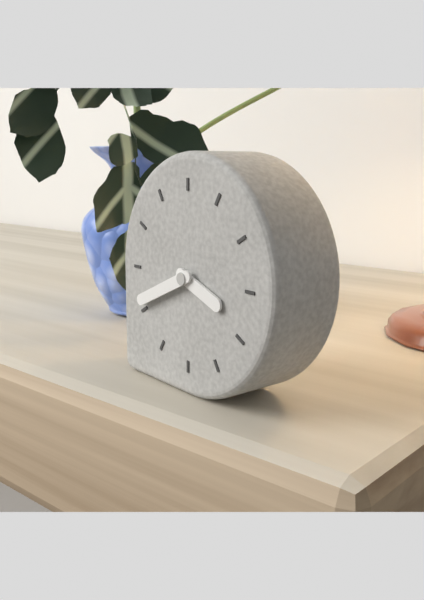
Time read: 3 h 41 min
